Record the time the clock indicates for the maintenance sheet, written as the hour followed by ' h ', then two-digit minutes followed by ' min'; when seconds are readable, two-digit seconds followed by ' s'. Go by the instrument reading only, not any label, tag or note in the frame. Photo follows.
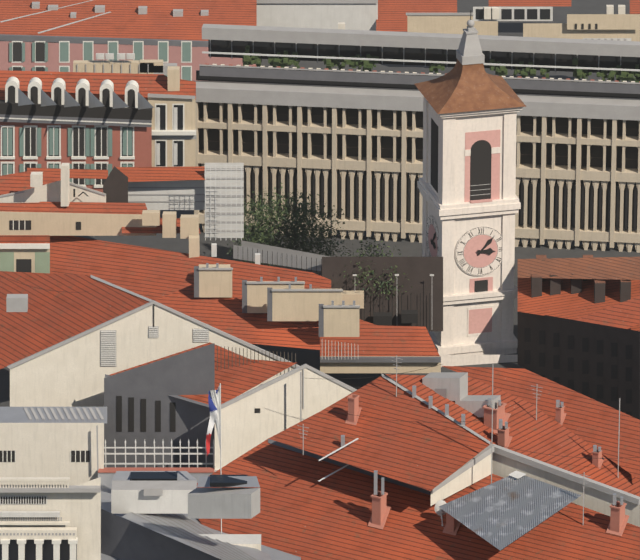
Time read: 3 h 07 min
